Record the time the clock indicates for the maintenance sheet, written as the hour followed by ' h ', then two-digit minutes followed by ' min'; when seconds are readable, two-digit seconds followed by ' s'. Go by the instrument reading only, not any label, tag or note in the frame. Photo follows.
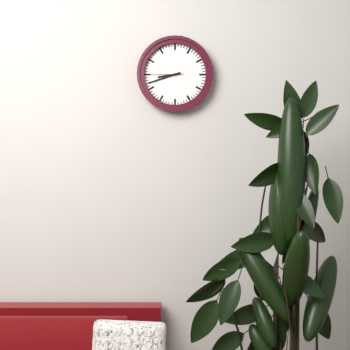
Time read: 8 h 42 min
